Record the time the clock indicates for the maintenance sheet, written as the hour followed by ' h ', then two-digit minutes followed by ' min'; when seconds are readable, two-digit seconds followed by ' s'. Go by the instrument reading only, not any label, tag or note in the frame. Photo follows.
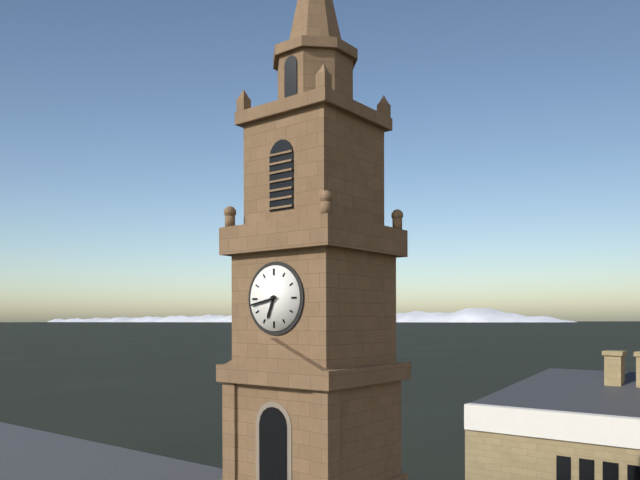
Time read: 6 h 43 min
